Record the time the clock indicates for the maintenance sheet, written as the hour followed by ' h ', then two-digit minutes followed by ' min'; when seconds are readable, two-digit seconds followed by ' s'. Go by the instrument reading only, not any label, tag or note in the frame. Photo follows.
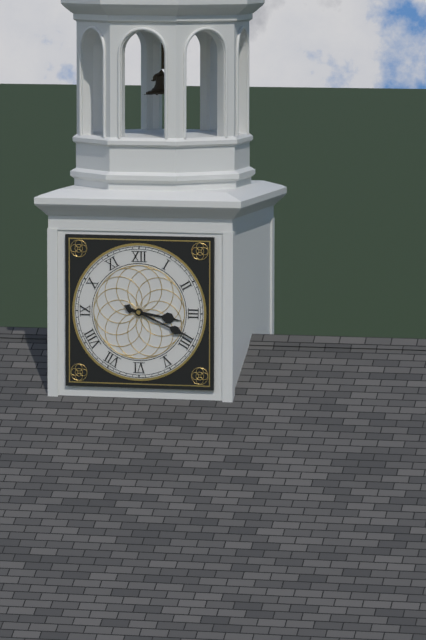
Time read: 3 h 19 min
